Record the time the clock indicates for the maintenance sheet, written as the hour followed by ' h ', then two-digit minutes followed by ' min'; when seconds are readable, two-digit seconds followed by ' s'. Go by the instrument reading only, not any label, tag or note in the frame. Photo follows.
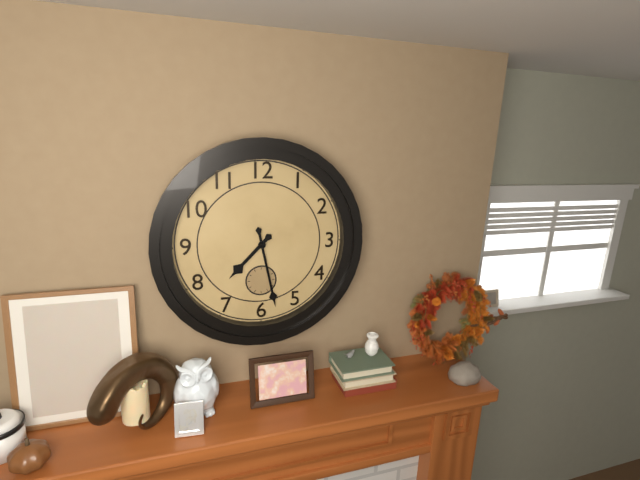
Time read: 7 h 28 min
